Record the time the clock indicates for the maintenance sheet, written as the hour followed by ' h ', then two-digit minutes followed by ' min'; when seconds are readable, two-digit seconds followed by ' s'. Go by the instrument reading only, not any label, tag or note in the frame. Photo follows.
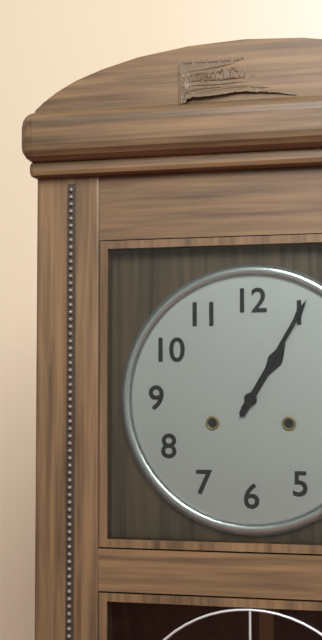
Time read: 1 h 05 min
